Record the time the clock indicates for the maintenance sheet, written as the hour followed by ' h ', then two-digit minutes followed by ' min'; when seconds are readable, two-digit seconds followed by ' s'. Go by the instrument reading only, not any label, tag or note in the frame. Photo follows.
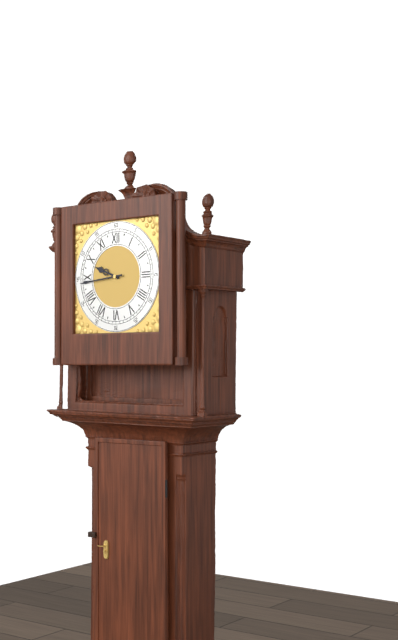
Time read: 9 h 44 min
